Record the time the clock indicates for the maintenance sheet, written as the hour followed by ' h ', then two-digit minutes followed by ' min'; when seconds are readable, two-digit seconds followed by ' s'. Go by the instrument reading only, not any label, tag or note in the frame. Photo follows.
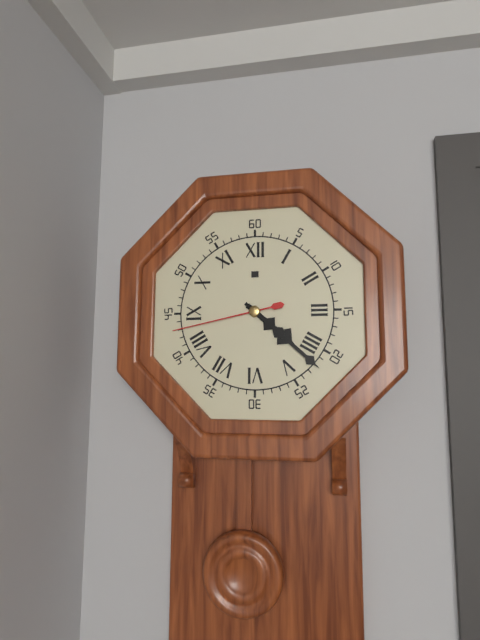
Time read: 4 h 22 min 43 s
